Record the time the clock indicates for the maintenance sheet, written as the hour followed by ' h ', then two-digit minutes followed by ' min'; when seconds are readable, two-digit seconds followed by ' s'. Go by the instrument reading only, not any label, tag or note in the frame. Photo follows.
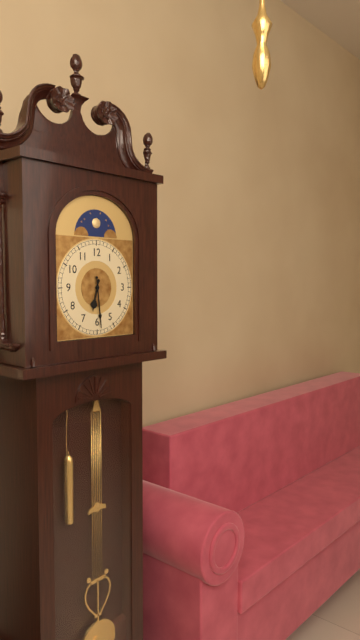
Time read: 6 h 29 min
